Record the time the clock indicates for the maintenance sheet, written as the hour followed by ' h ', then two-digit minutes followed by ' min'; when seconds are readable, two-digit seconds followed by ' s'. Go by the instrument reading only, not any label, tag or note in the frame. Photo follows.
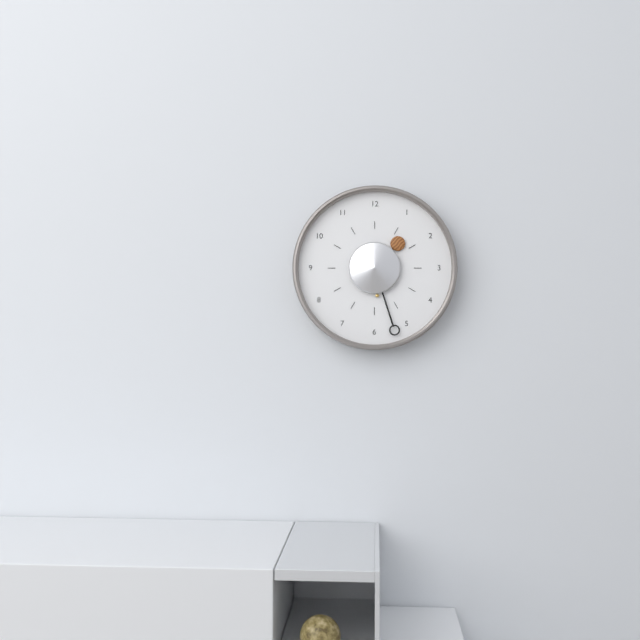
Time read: 1 h 27 min
